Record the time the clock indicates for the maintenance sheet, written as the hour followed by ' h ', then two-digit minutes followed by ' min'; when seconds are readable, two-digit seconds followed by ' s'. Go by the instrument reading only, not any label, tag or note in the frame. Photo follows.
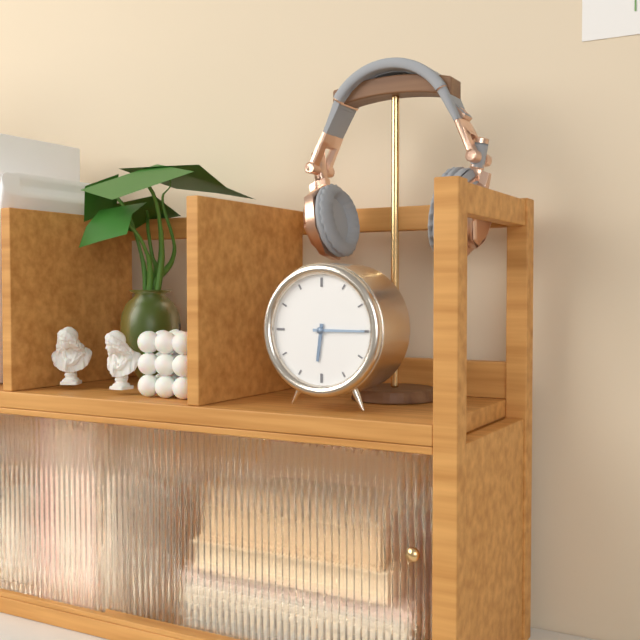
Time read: 6 h 15 min
